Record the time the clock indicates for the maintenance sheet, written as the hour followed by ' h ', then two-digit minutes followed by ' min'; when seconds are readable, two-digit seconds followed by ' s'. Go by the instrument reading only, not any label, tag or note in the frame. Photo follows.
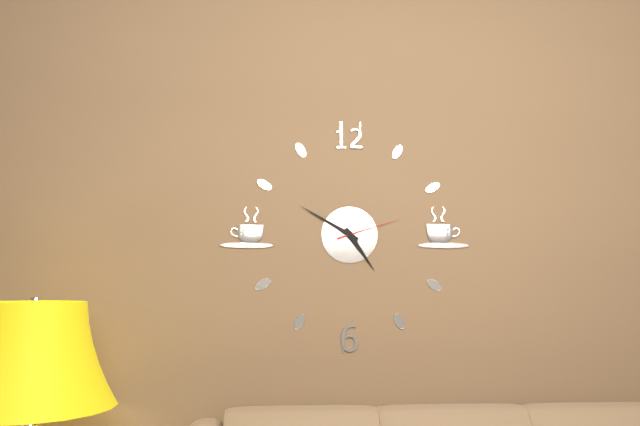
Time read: 4 h 50 min 12 s
